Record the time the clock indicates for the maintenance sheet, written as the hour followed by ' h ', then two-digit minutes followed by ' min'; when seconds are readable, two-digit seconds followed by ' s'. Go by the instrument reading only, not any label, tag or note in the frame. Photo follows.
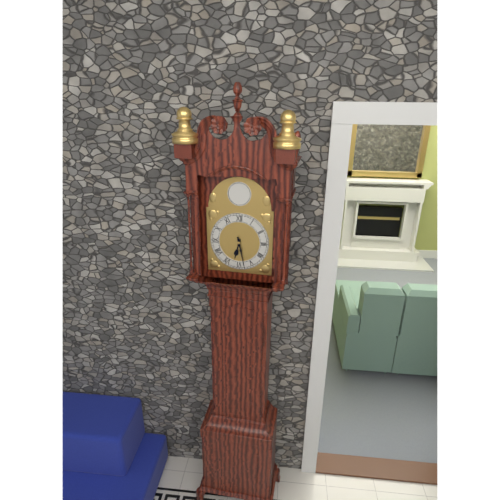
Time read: 6 h 28 min
